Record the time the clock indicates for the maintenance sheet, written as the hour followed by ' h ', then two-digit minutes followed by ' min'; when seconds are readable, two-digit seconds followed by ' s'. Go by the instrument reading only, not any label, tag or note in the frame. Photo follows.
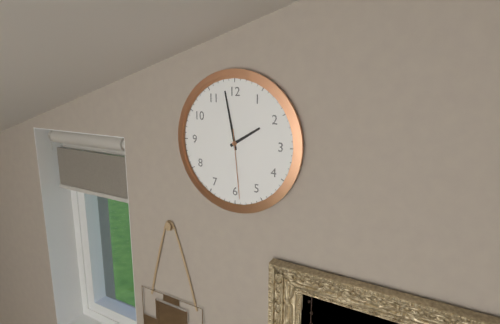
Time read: 1 h 58 min 29 s
